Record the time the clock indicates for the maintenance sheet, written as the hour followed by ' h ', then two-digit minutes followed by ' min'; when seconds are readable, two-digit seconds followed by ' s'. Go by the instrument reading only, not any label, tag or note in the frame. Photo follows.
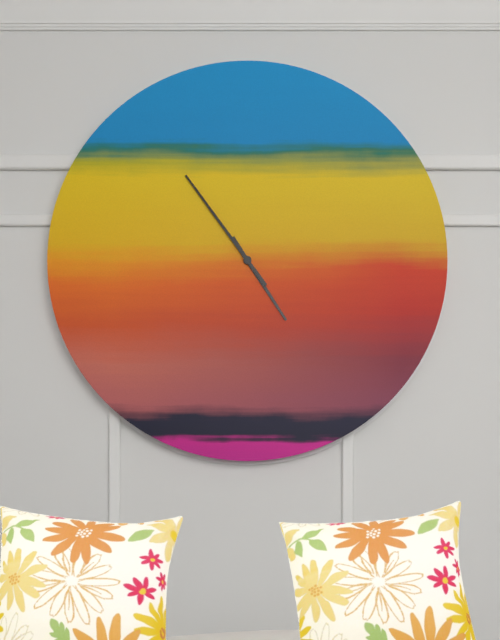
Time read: 4 h 54 min
